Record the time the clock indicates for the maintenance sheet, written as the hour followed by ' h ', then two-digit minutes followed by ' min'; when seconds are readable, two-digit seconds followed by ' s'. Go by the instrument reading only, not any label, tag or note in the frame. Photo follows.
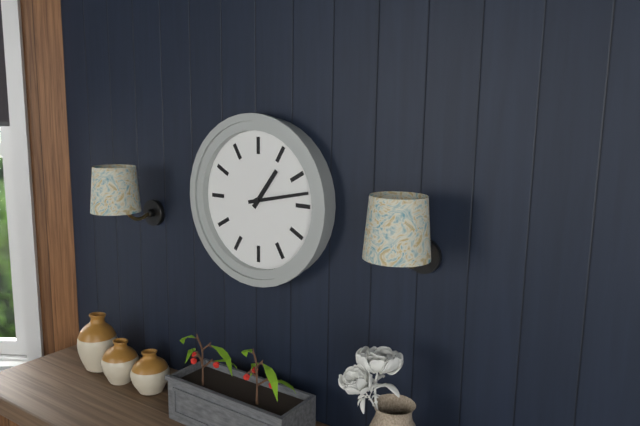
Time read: 1 h 13 min
